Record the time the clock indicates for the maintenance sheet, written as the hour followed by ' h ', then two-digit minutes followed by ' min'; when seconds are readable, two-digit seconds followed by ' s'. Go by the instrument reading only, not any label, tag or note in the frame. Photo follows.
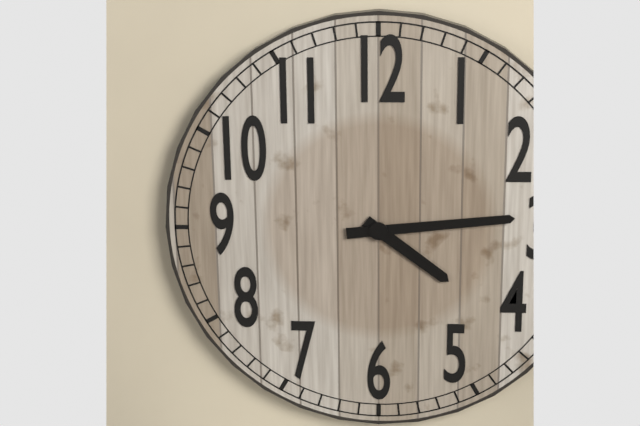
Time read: 4 h 14 min
